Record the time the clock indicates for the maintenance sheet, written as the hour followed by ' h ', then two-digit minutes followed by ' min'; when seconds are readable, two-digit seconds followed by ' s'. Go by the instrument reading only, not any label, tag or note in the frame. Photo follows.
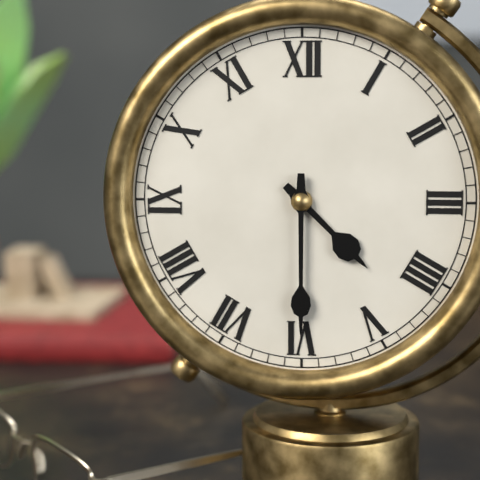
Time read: 4 h 30 min
